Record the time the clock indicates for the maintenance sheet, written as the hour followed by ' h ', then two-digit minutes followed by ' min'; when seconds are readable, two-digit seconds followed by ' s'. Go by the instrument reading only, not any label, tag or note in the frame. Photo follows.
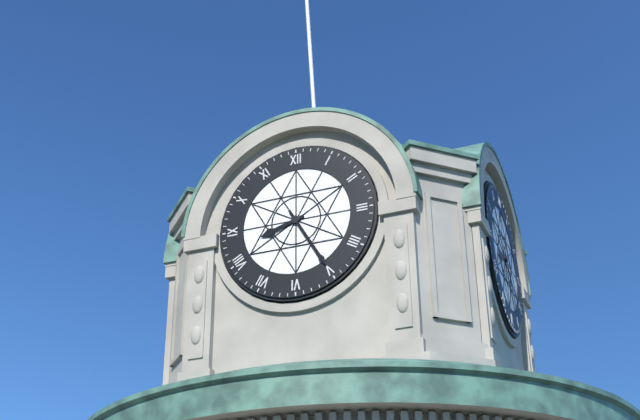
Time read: 8 h 25 min
